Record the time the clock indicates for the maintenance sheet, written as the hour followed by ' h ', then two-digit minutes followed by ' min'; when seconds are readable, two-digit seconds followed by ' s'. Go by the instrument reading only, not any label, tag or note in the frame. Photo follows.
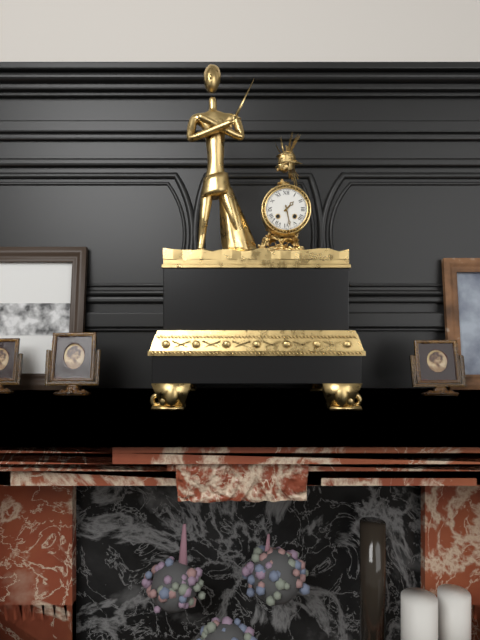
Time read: 1 h 28 min
